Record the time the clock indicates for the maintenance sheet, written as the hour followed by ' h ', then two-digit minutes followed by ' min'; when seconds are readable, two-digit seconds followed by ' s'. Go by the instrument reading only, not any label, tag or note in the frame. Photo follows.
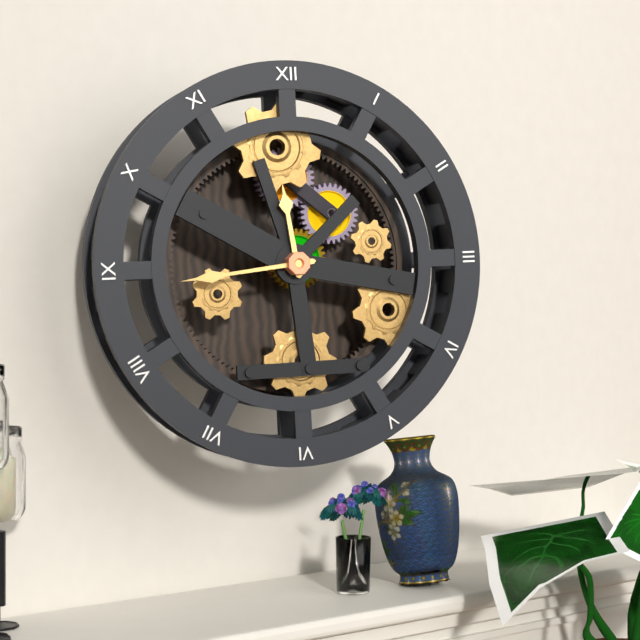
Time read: 11 h 44 min
